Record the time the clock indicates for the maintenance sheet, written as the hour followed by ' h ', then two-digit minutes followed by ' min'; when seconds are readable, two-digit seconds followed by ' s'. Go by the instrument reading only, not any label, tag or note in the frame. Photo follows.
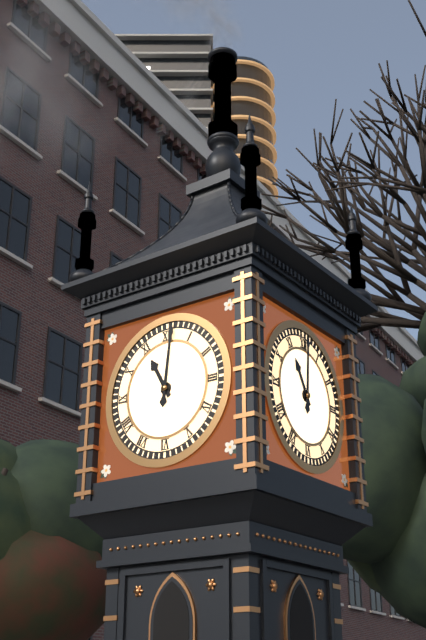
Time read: 11 h 01 min
